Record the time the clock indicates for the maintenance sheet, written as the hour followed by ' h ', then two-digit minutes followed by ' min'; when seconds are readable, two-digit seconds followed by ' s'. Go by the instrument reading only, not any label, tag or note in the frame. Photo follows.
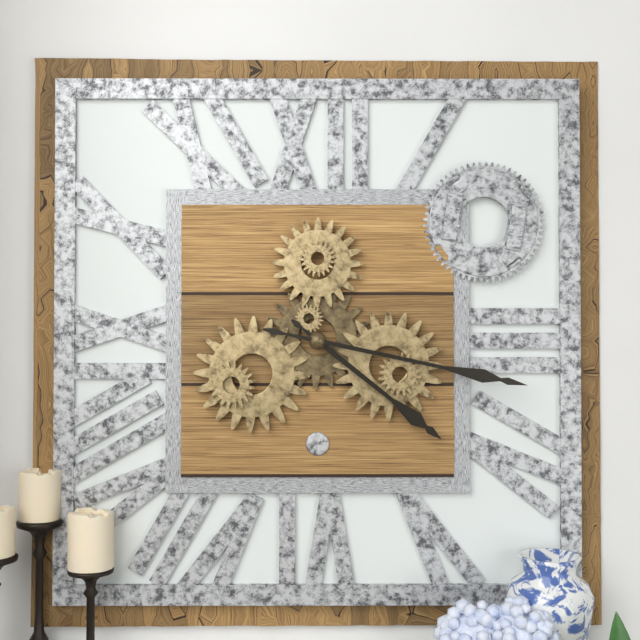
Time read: 4 h 17 min
